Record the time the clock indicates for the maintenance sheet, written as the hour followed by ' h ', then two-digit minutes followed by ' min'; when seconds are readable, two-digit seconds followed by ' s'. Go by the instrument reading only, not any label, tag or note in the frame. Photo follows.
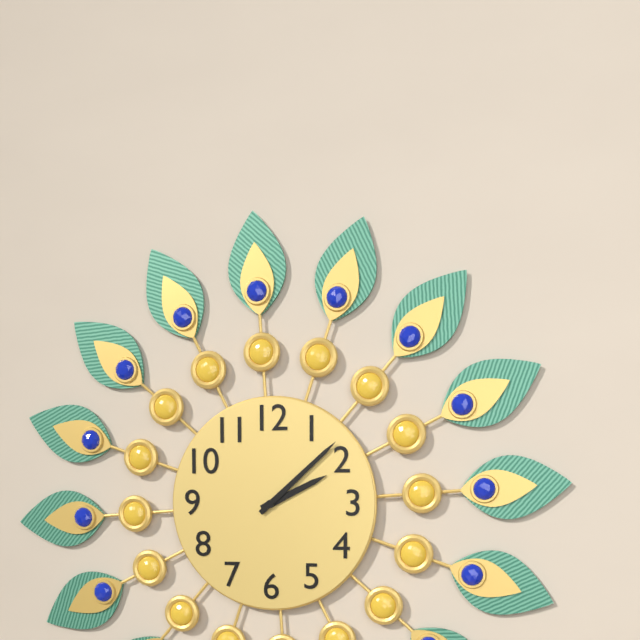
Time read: 2 h 08 min
